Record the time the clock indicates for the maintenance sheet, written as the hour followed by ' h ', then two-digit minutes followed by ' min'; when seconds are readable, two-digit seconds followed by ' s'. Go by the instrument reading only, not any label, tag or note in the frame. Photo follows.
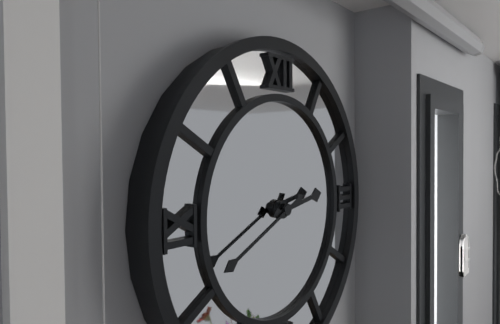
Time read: 2 h 41 min
